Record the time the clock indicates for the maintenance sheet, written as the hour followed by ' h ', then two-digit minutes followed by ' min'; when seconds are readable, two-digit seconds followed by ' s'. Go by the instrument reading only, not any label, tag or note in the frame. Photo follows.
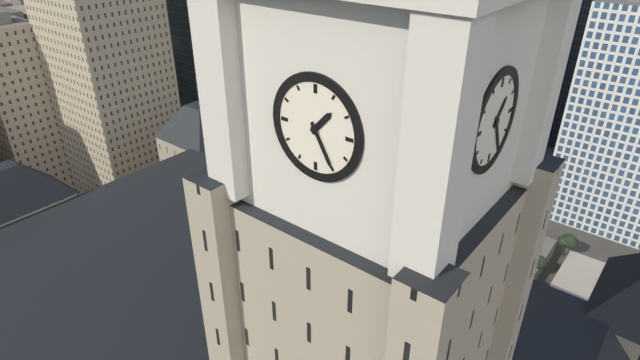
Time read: 1 h 25 min
